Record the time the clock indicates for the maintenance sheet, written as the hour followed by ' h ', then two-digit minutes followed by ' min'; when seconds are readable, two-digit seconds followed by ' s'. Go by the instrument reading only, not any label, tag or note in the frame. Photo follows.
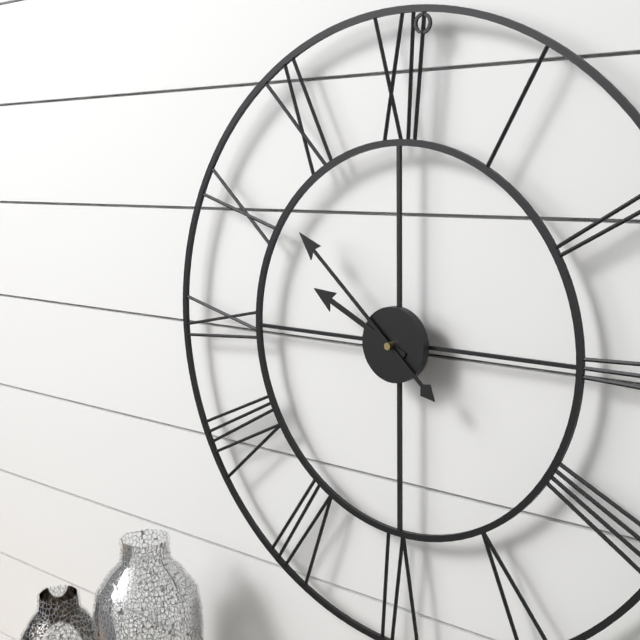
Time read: 9 h 52 min
